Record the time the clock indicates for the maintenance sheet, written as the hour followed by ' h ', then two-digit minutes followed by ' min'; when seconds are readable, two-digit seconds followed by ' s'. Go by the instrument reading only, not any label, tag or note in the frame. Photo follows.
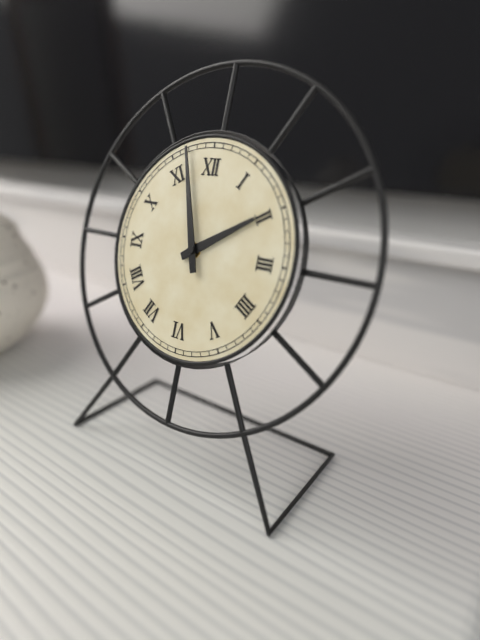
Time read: 1 h 57 min
